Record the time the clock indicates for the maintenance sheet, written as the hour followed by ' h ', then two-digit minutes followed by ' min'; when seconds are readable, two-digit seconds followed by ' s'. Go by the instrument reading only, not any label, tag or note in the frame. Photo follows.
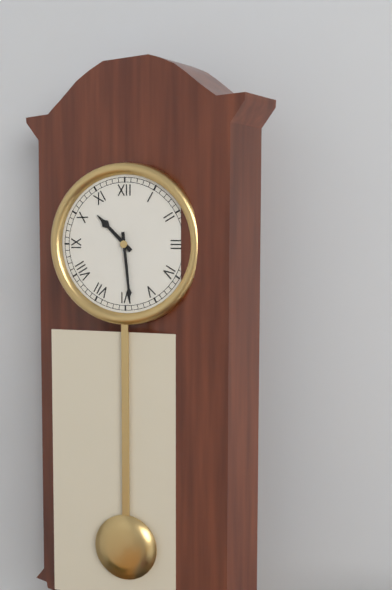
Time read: 10 h 29 min
